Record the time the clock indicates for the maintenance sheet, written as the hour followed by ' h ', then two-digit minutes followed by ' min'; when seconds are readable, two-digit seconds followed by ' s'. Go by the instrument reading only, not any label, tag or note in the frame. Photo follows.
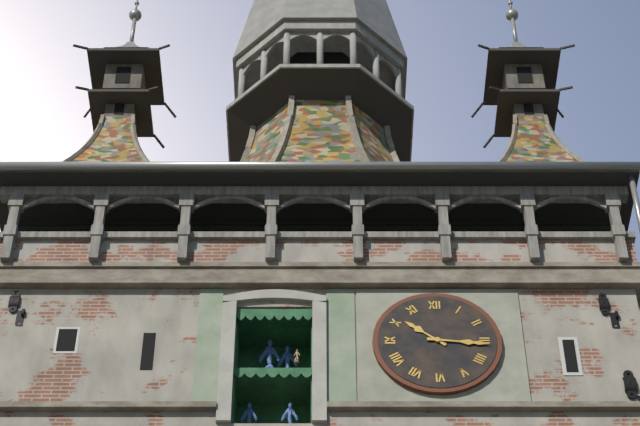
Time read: 10 h 16 min
